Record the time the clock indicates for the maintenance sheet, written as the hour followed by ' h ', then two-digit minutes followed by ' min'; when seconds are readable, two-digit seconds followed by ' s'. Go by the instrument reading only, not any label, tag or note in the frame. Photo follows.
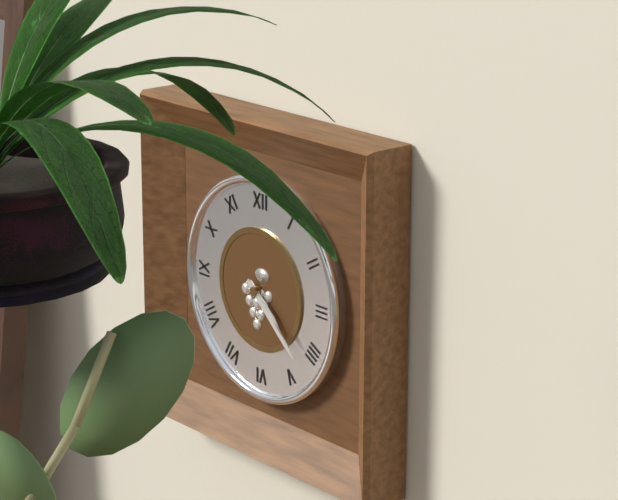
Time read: 4 h 22 min
